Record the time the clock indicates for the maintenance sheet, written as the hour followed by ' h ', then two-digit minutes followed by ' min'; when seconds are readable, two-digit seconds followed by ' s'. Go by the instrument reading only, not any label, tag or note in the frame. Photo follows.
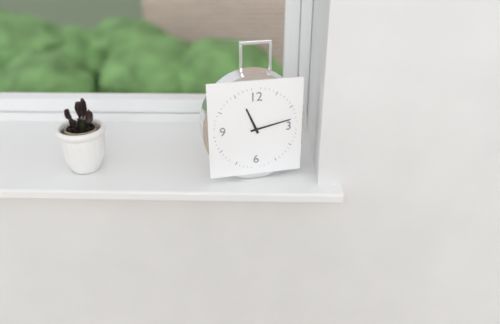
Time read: 11 h 13 min
